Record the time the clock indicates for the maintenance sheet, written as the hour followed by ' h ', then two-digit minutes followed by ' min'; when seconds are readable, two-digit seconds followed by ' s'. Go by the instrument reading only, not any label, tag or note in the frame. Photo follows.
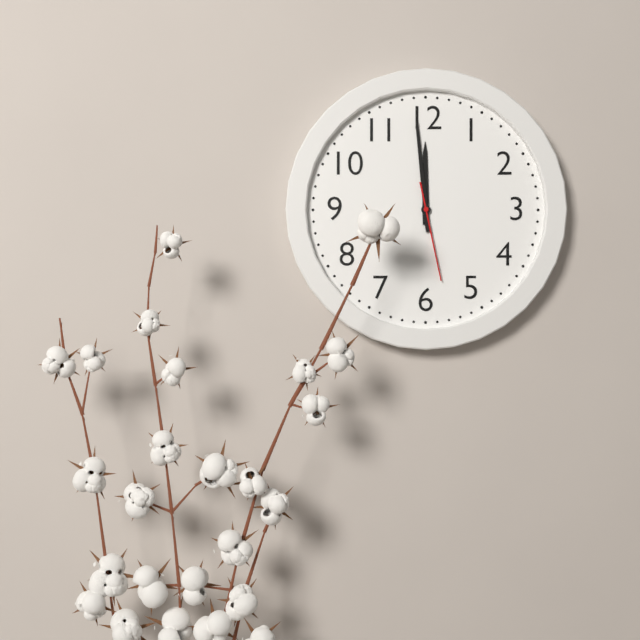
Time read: 11 h 59 min 28 s
